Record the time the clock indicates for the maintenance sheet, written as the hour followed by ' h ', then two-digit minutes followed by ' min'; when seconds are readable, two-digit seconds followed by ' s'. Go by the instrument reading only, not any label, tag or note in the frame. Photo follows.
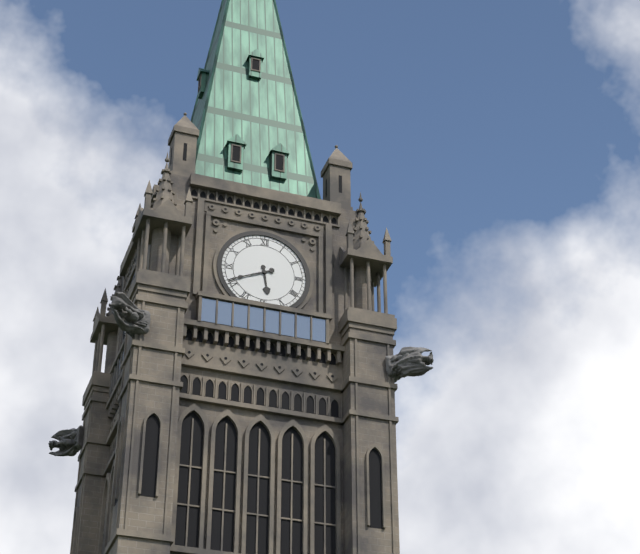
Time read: 5 h 41 min
